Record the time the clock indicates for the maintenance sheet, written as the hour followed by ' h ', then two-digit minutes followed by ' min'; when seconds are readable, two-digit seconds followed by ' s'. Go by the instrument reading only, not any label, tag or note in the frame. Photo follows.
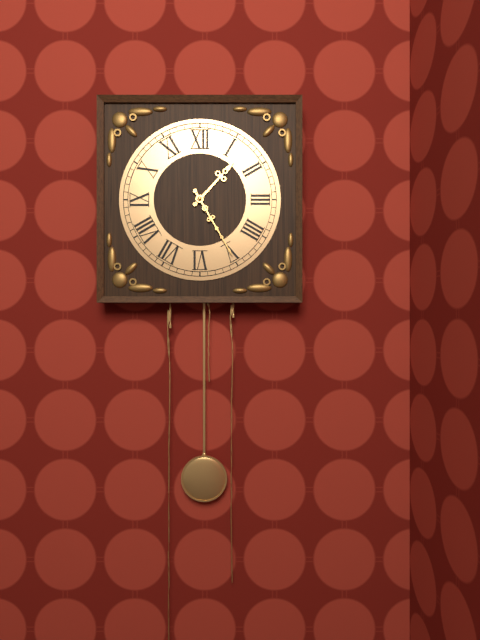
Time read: 1 h 25 min
